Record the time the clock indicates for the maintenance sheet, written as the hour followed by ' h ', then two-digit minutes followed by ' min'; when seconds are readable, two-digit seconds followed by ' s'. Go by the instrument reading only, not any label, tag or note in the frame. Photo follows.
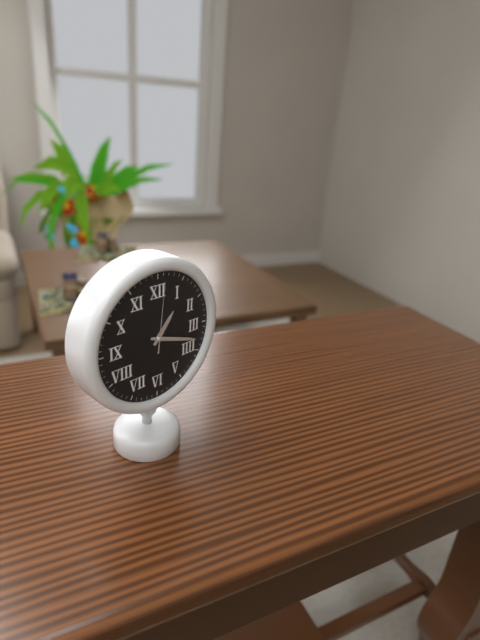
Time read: 1 h 18 min 01 s
